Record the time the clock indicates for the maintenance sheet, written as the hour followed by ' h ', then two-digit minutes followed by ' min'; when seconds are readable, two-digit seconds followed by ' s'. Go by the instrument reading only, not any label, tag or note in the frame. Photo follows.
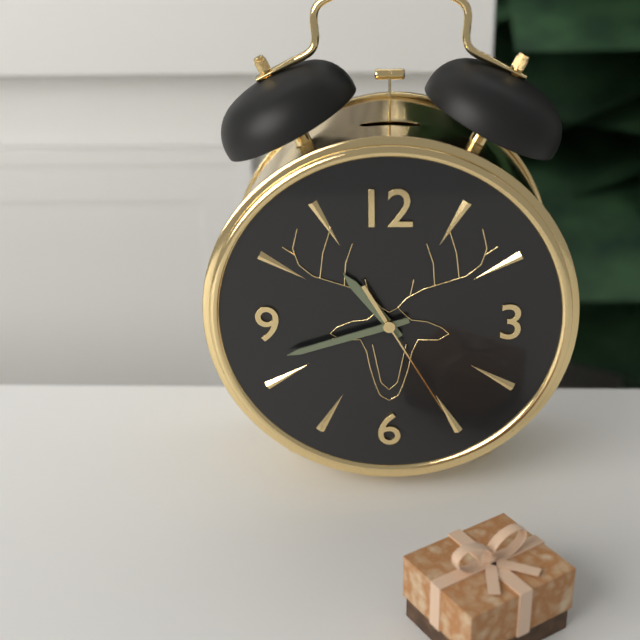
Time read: 10 h 42 min 25 s
